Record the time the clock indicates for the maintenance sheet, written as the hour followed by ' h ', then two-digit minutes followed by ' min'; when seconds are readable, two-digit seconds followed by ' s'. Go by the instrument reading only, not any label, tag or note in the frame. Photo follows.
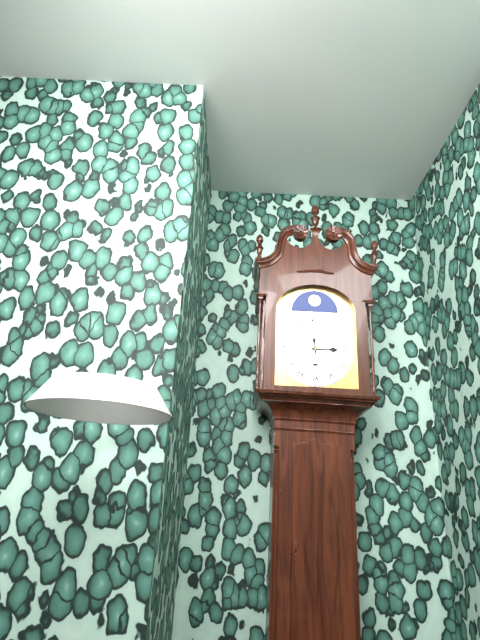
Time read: 2 h 59 min
